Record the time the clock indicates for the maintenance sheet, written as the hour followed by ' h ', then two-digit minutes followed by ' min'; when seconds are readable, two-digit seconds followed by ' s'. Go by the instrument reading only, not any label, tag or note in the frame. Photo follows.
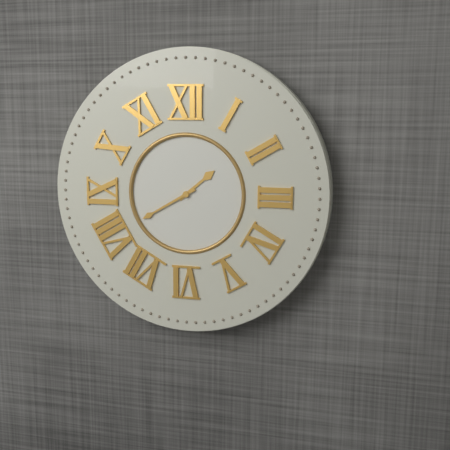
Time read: 1 h 40 min
